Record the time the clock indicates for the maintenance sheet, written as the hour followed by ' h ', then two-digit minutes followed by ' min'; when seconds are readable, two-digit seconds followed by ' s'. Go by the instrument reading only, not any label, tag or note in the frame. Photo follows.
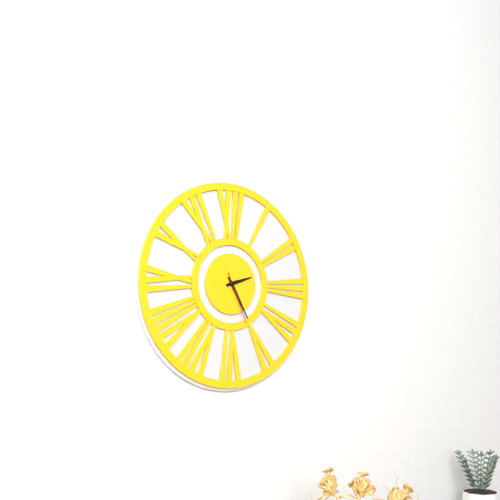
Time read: 2 h 25 min 26 s
